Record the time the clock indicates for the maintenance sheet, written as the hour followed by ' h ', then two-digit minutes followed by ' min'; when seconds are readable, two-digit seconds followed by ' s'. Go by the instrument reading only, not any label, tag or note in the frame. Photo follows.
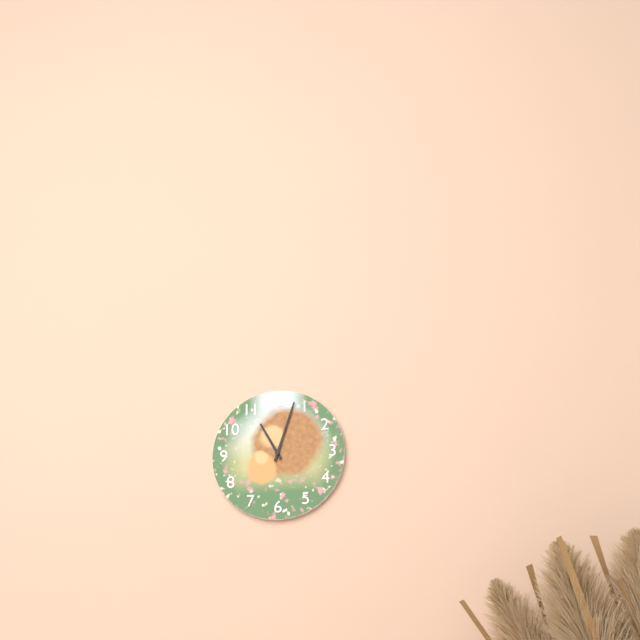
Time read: 11 h 03 min
